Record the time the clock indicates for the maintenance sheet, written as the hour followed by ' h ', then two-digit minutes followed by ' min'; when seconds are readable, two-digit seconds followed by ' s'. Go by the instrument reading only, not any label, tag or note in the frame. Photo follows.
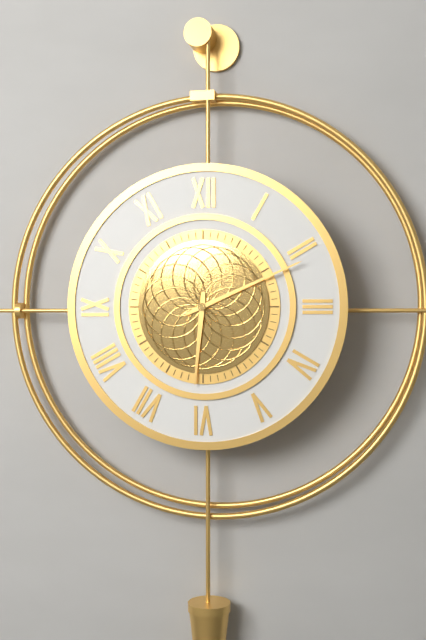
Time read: 6 h 11 min
